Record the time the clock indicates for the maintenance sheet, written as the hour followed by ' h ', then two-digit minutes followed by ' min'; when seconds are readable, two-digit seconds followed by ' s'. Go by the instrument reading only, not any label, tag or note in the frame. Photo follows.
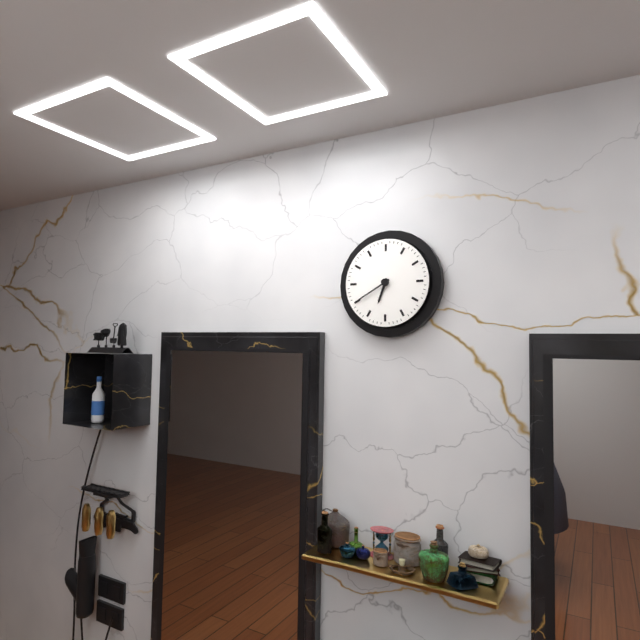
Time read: 6 h 40 min
